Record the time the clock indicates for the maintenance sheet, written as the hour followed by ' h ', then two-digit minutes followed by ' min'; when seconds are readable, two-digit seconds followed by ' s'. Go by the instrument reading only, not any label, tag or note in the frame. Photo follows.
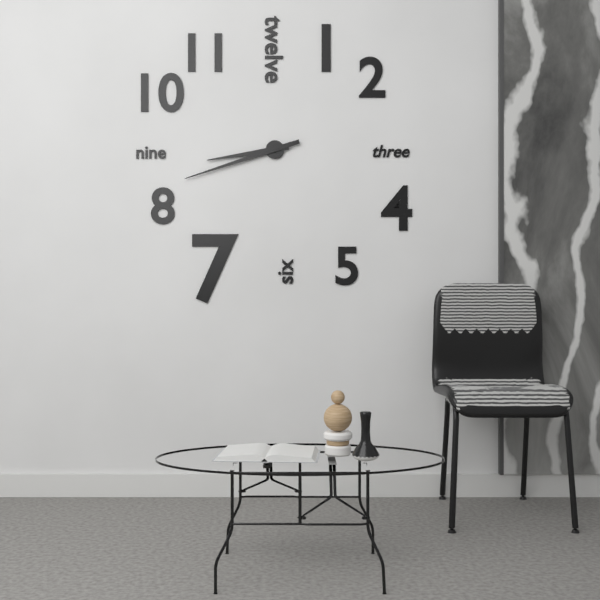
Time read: 8 h 42 min
